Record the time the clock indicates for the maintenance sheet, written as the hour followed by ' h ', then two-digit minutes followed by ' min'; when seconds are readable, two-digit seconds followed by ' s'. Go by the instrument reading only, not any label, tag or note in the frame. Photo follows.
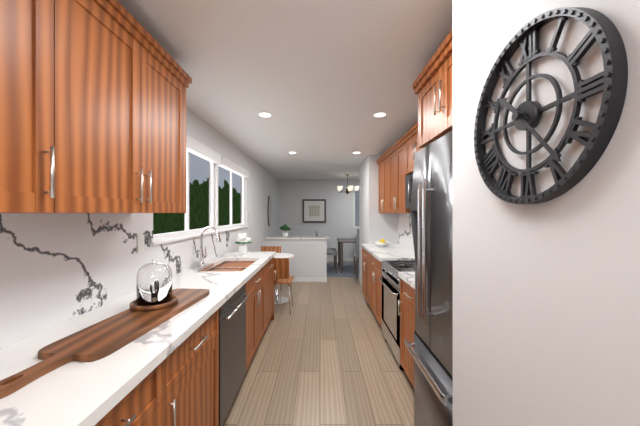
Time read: 10 h 23 min
